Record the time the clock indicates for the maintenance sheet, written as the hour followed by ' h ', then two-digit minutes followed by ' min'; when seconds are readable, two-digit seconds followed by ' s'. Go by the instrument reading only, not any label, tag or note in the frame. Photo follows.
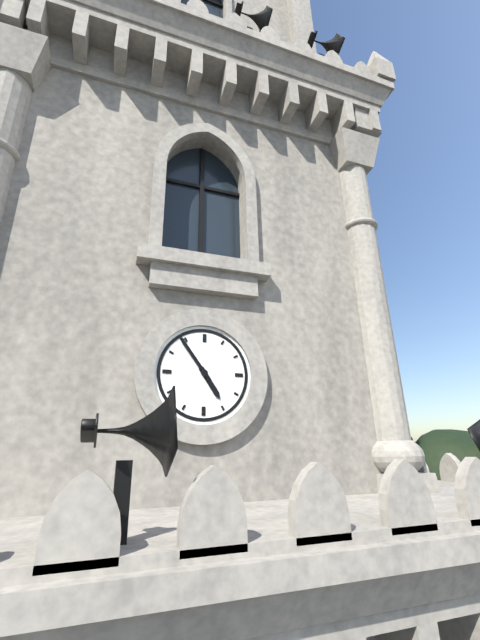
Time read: 4 h 54 min
